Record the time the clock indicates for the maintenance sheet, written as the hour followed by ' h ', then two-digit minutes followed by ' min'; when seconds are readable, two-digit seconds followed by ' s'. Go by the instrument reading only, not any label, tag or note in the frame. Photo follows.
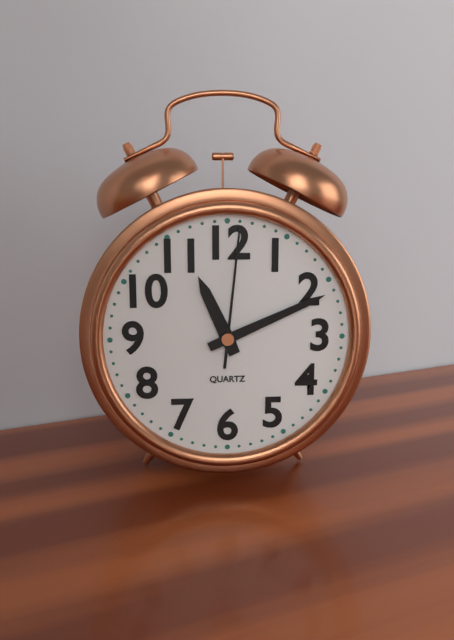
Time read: 11 h 11 min 01 s
